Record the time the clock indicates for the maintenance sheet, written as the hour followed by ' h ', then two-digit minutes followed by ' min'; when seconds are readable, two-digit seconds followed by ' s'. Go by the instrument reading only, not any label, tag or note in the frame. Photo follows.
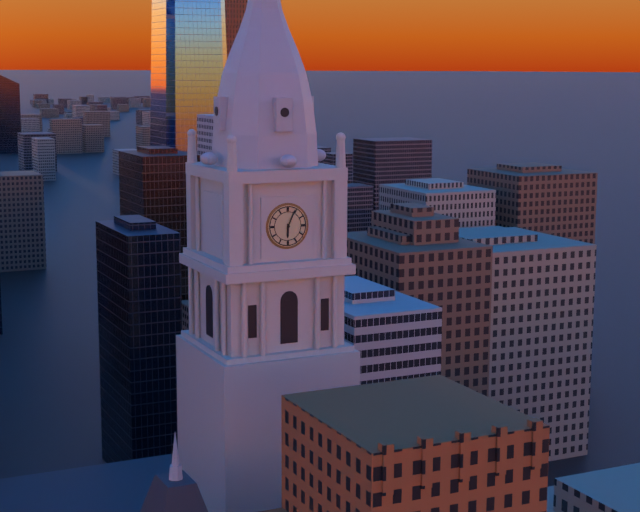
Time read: 6 h 04 min
